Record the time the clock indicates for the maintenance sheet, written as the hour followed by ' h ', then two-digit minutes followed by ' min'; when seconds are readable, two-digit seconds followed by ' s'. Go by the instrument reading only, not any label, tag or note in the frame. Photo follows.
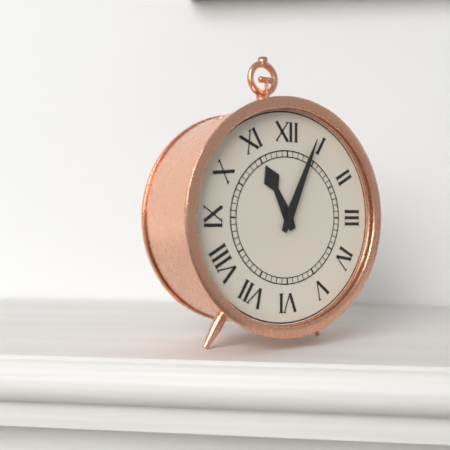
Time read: 11 h 04 min
